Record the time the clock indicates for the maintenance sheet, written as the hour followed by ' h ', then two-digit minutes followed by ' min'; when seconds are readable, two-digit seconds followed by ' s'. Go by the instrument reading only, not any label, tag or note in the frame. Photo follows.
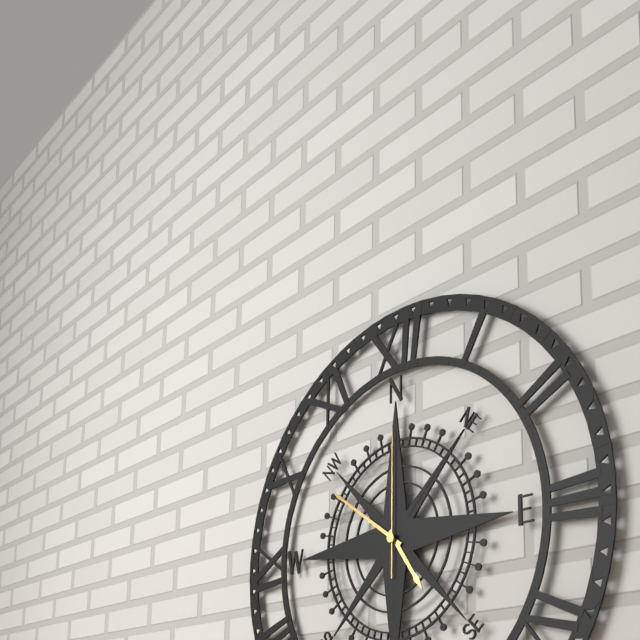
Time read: 4 h 51 min 00 s
